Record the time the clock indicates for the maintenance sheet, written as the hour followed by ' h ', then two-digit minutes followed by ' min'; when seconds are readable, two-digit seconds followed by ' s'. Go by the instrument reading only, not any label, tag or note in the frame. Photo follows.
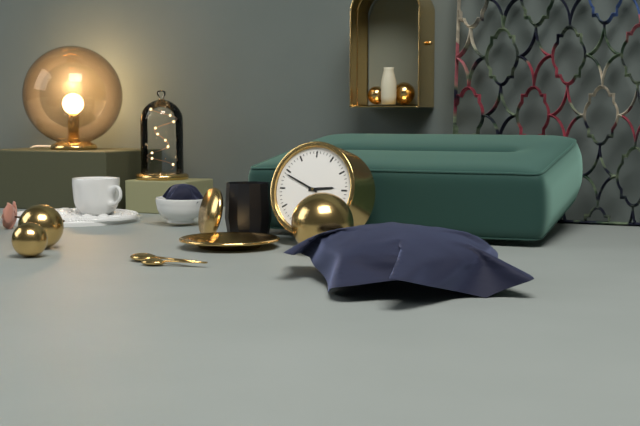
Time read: 2 h 49 min
